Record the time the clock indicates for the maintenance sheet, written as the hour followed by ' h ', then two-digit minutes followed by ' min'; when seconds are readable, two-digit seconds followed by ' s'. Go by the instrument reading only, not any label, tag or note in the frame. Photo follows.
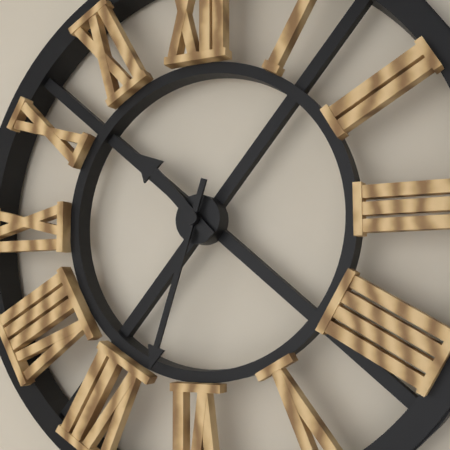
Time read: 10 h 33 min
